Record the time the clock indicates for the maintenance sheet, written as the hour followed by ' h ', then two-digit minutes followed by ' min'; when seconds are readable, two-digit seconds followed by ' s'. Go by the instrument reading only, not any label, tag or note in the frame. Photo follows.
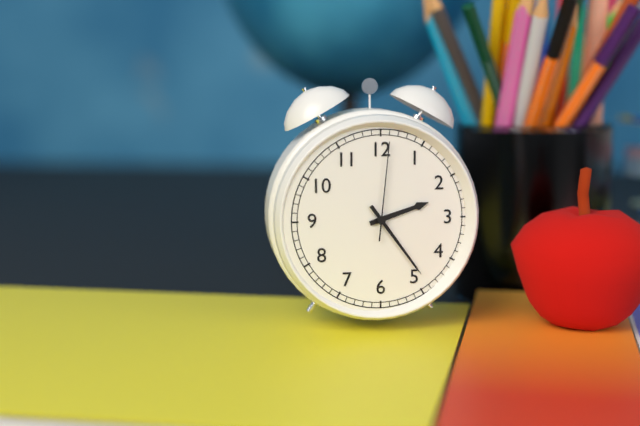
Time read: 2 h 24 min 01 s
